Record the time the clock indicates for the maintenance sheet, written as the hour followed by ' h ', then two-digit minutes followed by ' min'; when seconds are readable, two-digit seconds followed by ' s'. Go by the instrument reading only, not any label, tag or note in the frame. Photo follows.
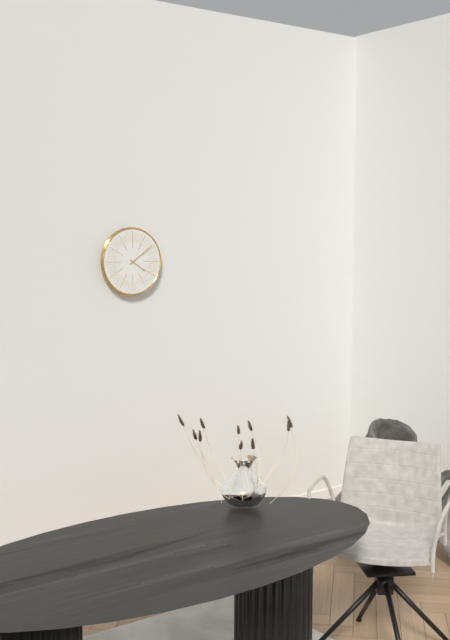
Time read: 4 h 09 min
